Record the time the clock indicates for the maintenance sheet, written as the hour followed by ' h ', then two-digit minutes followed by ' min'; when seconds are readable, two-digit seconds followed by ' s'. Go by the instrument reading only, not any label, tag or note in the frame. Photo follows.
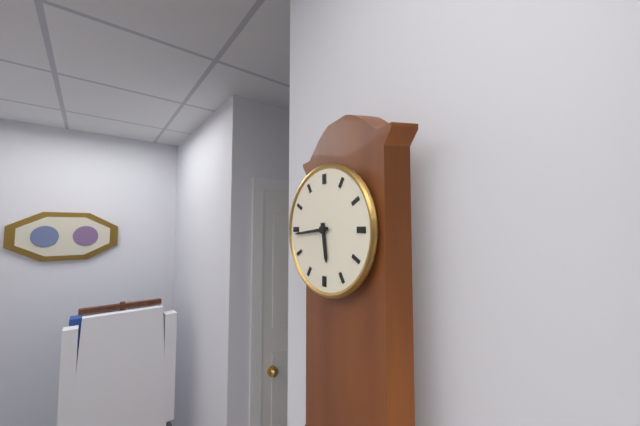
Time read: 5 h 44 min
